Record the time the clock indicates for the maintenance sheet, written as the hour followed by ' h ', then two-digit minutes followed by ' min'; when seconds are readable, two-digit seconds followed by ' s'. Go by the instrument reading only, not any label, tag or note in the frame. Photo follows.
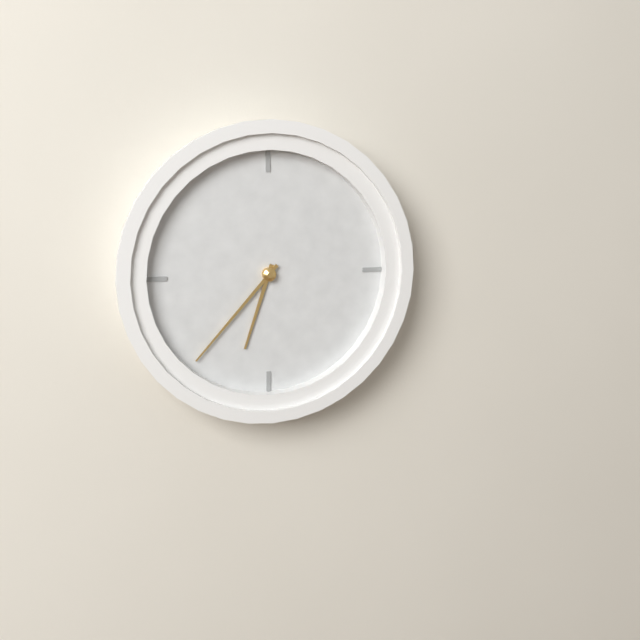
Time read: 6 h 37 min
